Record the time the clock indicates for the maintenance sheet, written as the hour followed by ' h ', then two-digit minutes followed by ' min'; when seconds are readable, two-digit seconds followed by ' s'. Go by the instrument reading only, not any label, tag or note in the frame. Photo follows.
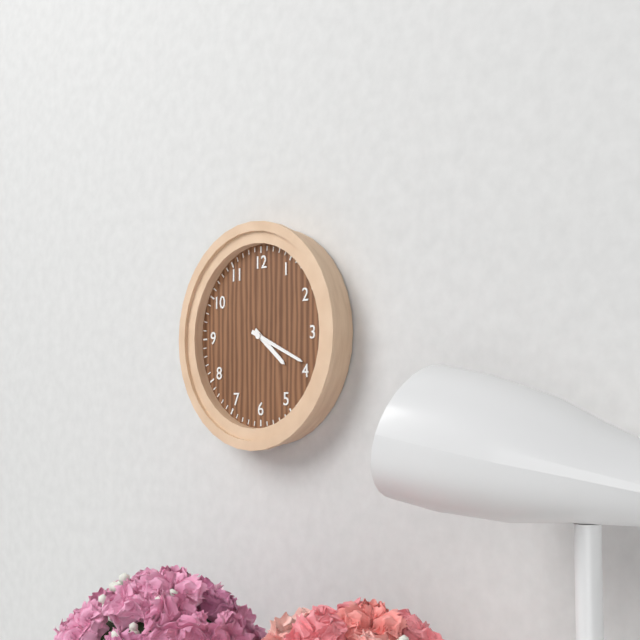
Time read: 4 h 19 min
